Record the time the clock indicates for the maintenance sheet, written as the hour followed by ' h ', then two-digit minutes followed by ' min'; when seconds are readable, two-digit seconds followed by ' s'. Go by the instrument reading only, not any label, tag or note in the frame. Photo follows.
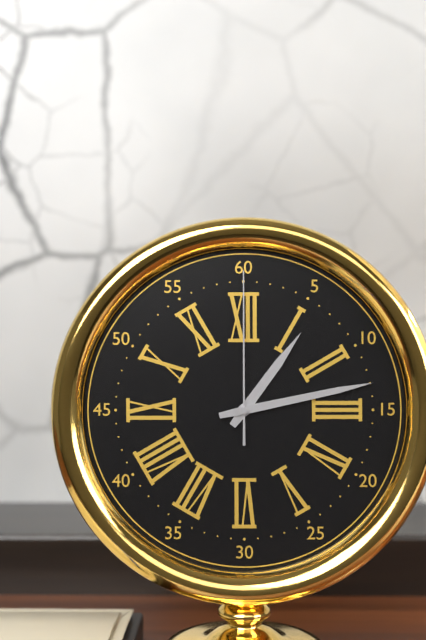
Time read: 1 h 13 min 00 s
